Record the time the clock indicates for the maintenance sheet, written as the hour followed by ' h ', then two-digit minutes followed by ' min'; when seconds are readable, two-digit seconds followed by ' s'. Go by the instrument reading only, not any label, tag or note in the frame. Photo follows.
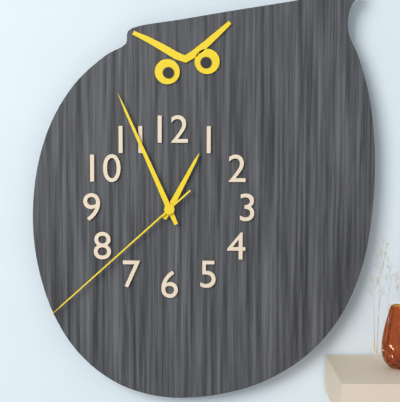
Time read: 12 h 56 min 38 s
